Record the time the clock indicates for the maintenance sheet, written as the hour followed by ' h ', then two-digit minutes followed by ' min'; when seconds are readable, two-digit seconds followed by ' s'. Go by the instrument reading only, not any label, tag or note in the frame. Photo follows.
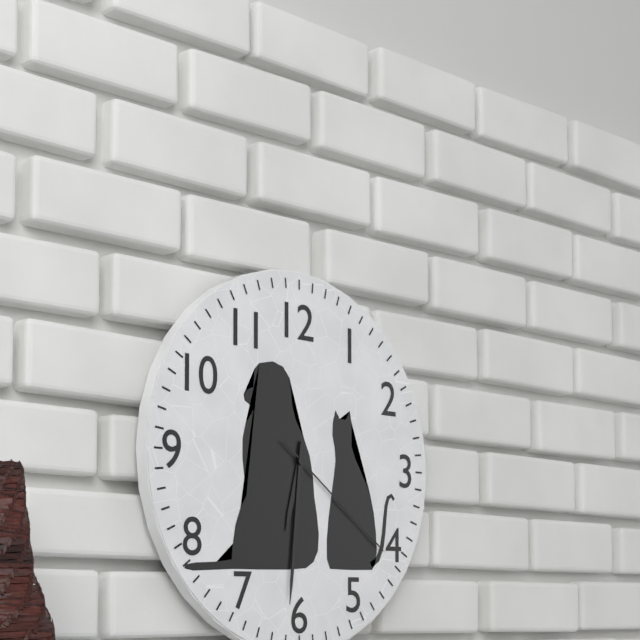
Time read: 6 h 31 min 21 s
